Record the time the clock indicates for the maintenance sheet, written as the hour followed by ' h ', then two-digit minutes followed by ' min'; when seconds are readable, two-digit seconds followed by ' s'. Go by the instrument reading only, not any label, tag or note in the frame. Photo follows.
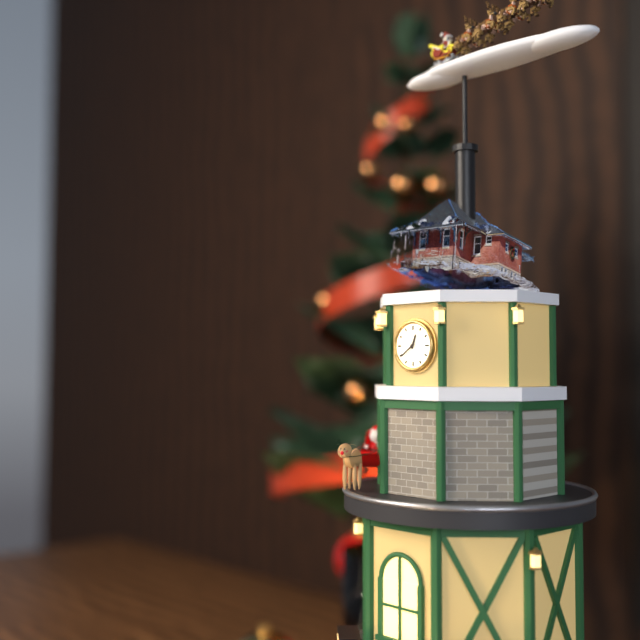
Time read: 12 h 39 min
